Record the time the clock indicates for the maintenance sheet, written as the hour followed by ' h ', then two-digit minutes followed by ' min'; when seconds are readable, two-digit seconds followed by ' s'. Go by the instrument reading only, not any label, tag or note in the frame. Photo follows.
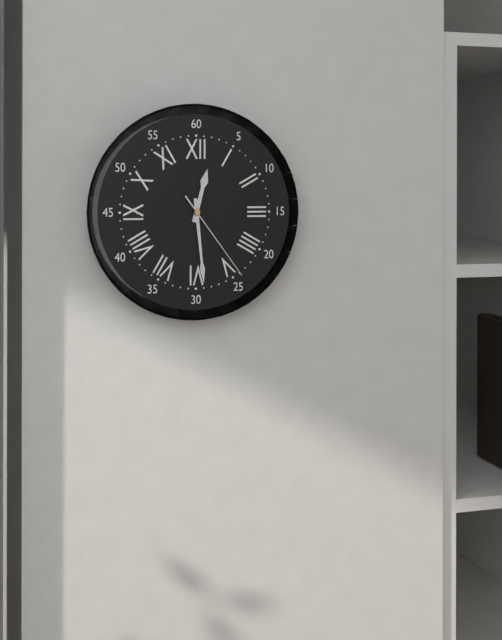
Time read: 12 h 29 min 24 s
